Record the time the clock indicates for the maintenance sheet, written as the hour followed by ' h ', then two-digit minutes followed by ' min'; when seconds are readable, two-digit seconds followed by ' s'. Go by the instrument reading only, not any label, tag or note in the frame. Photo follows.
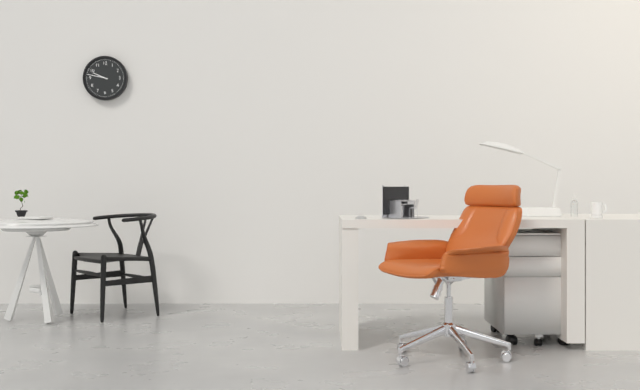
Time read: 9 h 47 min
